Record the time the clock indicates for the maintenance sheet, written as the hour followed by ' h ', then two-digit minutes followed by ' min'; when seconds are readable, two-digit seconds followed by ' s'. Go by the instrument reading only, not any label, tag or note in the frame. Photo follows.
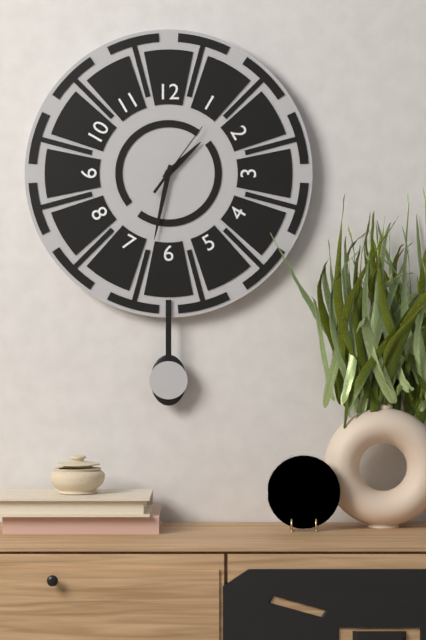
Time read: 1 h 32 min 06 s
